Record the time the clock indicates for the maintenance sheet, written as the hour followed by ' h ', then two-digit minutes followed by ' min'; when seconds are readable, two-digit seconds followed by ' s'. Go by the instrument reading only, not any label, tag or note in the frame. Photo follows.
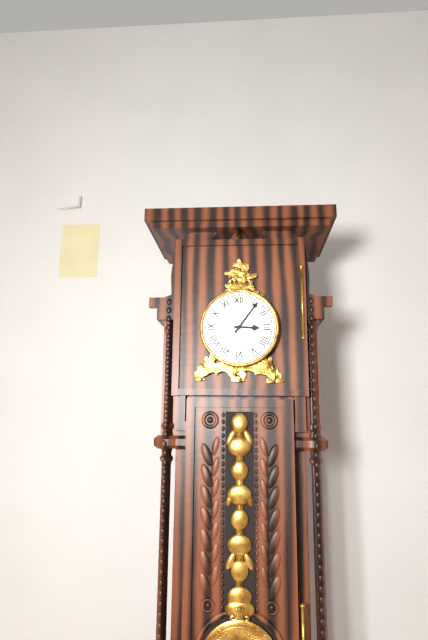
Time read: 3 h 06 min
